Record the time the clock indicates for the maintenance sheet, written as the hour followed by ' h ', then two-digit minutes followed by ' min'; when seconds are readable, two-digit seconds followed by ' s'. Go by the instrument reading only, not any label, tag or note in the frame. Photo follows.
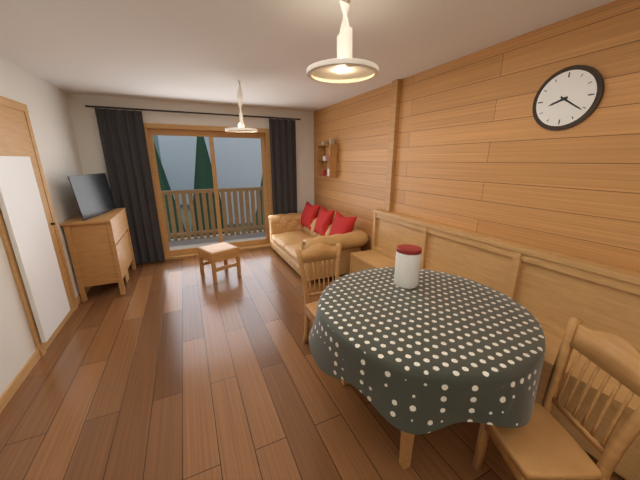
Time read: 8 h 21 min
